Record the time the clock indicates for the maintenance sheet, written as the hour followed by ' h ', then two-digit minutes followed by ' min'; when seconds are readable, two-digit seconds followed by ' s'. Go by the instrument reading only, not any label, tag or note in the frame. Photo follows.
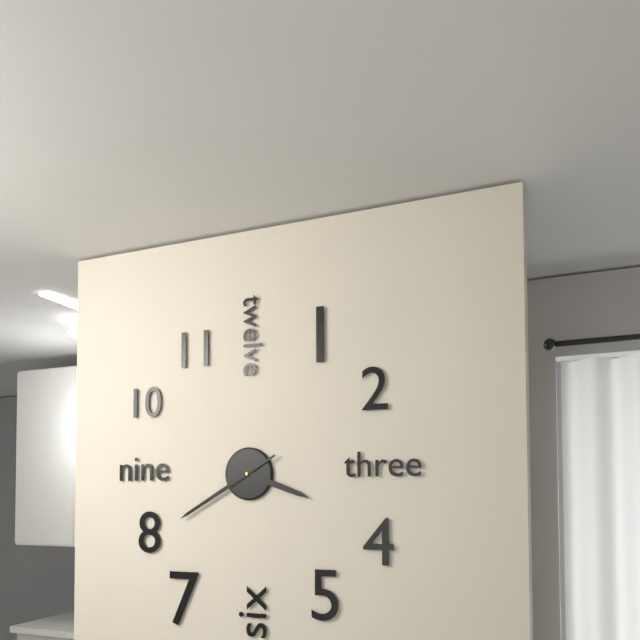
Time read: 3 h 40 min 40 s
